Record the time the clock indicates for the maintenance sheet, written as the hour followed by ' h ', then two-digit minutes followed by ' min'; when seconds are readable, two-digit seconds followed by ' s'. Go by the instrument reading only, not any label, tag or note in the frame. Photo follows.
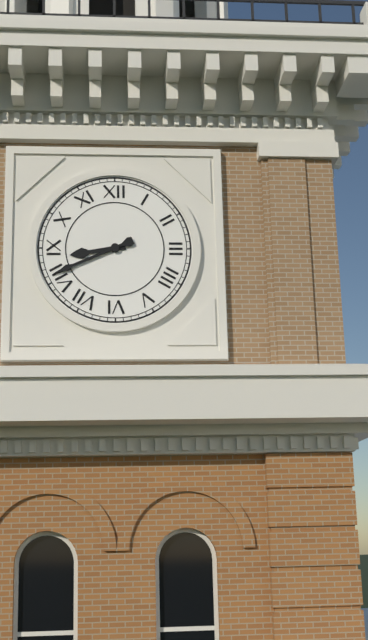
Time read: 8 h 41 min
